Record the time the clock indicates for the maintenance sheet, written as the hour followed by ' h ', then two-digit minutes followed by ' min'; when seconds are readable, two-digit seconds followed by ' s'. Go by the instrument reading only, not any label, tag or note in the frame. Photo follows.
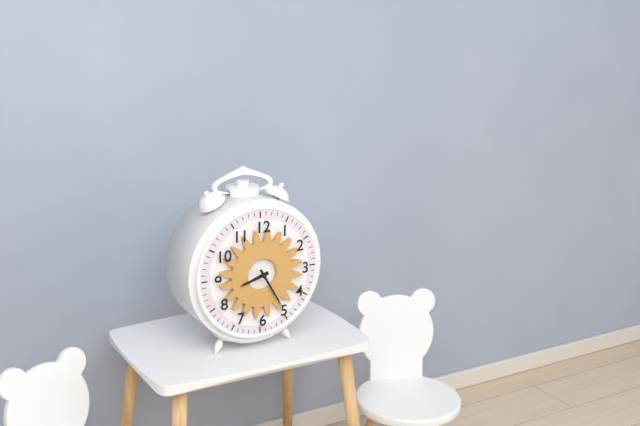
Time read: 8 h 25 min
